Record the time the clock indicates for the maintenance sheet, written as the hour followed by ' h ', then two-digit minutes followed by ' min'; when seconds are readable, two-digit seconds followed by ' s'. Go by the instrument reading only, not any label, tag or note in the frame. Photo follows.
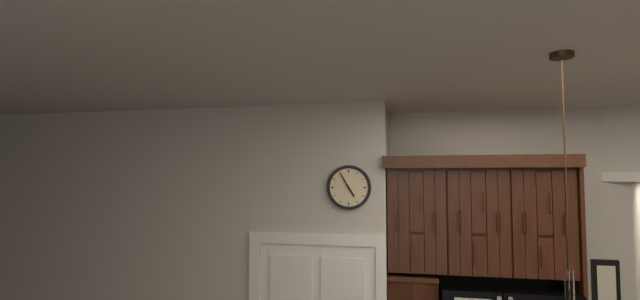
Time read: 4 h 55 min
